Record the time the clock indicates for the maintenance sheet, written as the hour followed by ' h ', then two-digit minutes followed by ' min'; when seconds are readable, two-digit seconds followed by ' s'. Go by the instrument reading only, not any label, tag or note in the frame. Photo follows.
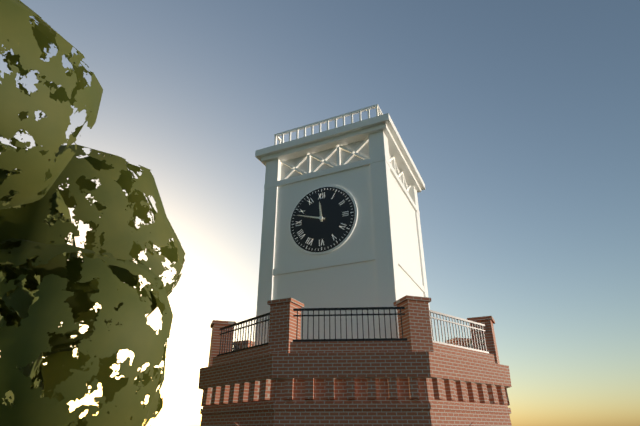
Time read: 11 h 48 min
